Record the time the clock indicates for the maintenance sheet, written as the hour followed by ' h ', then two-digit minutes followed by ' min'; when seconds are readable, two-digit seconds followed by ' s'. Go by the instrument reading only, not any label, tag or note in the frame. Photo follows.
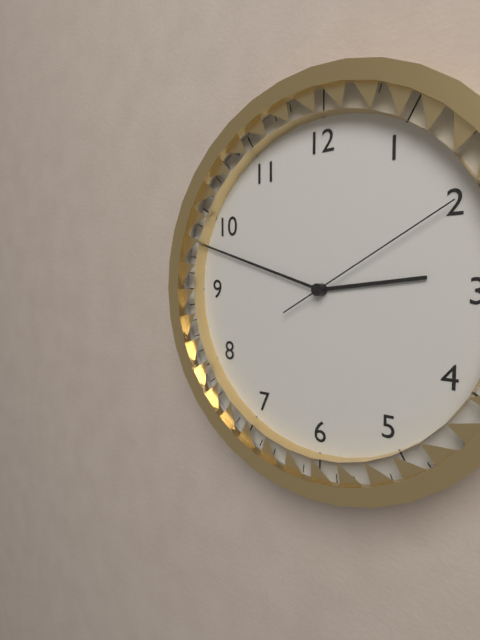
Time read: 2 h 48 min 10 s
